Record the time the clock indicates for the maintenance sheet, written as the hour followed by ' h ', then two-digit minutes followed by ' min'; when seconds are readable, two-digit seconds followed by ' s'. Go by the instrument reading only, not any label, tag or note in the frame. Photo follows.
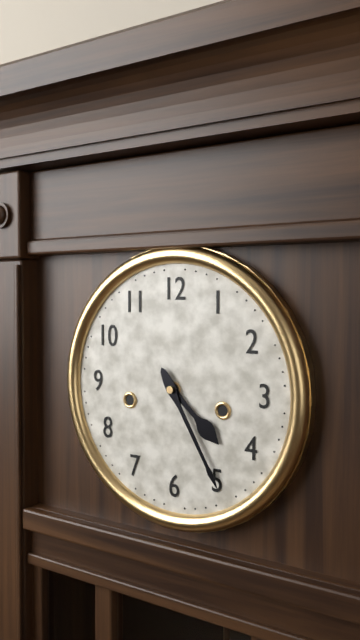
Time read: 4 h 25 min
